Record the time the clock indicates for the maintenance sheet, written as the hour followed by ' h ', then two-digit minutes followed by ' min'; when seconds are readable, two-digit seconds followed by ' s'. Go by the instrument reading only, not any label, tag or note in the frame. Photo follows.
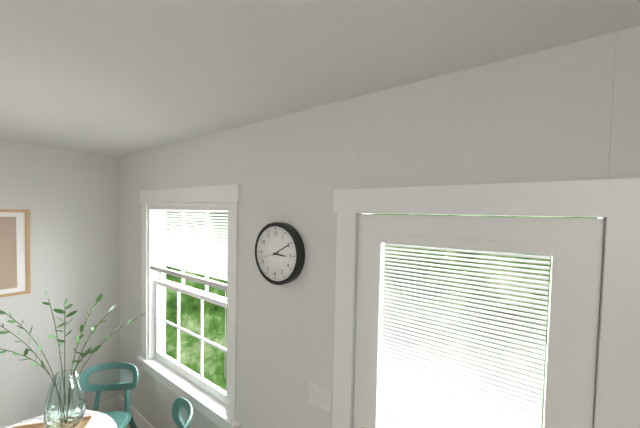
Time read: 3 h 10 min
